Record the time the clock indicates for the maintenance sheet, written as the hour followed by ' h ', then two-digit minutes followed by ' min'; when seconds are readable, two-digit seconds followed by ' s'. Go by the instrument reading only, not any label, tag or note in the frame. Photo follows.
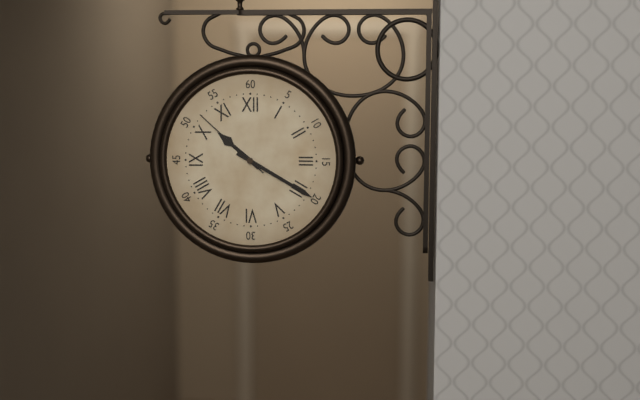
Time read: 10 h 20 min 52 s
